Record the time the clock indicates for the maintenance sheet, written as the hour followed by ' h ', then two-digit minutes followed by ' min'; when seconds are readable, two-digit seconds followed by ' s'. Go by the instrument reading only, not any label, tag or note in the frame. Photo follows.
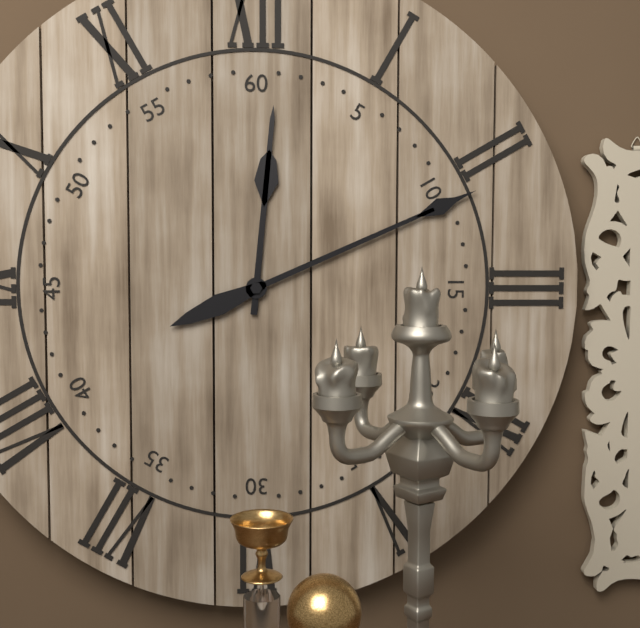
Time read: 12 h 11 min
